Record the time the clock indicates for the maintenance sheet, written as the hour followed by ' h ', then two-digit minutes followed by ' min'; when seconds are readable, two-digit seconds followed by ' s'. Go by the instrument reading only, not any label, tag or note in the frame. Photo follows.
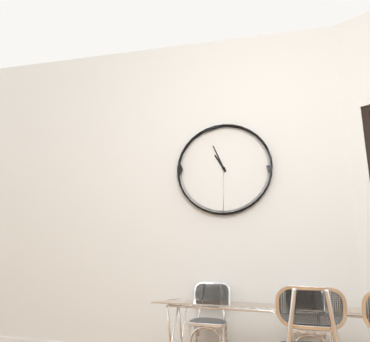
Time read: 10 h 56 min
